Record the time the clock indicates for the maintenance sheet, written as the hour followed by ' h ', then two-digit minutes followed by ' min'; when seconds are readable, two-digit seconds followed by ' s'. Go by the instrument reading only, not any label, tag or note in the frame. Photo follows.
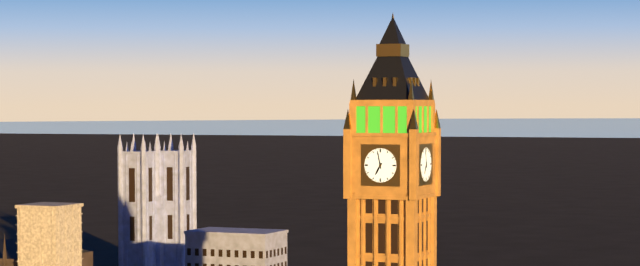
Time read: 6 h 58 min
